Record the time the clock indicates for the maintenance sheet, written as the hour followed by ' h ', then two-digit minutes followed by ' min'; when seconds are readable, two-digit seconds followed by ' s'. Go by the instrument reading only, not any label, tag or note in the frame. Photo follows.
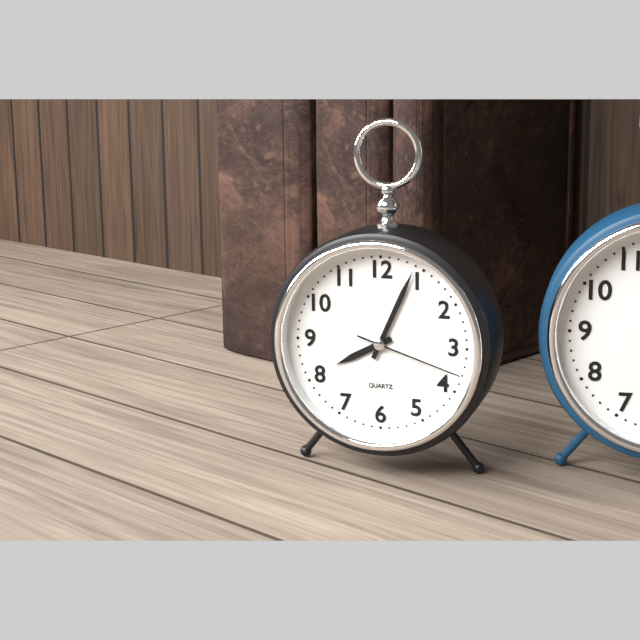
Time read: 8 h 04 min 18 s
